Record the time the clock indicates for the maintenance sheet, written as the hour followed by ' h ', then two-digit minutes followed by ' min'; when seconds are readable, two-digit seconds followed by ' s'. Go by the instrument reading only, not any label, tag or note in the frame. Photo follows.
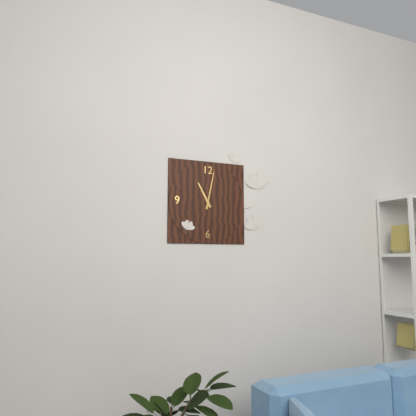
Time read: 11 h 02 min
